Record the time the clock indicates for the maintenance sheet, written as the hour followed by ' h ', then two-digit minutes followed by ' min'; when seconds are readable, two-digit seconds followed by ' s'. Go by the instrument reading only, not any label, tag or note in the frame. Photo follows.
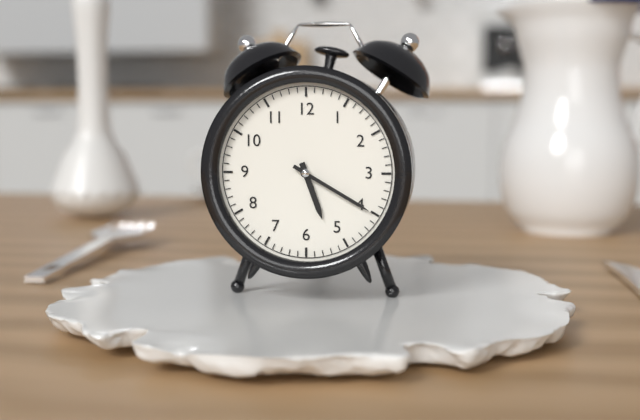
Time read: 5 h 20 min
